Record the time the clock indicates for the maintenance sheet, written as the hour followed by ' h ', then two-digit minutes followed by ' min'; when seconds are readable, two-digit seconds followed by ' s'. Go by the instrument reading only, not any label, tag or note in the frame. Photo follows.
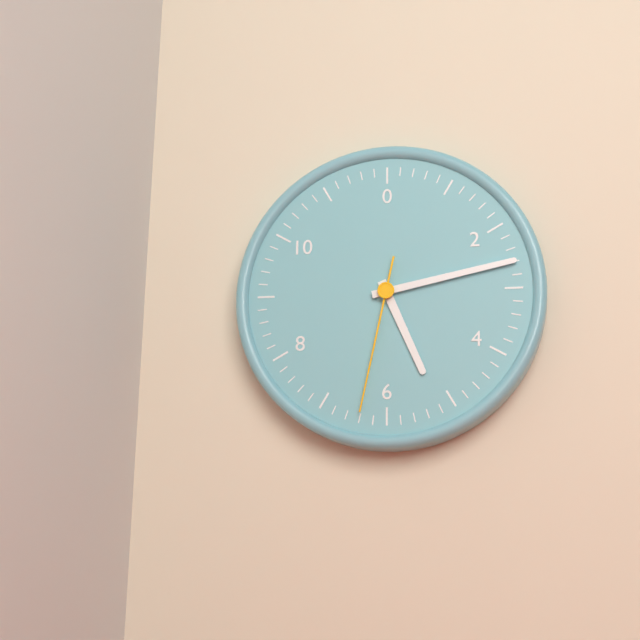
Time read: 5 h 13 min 32 s
